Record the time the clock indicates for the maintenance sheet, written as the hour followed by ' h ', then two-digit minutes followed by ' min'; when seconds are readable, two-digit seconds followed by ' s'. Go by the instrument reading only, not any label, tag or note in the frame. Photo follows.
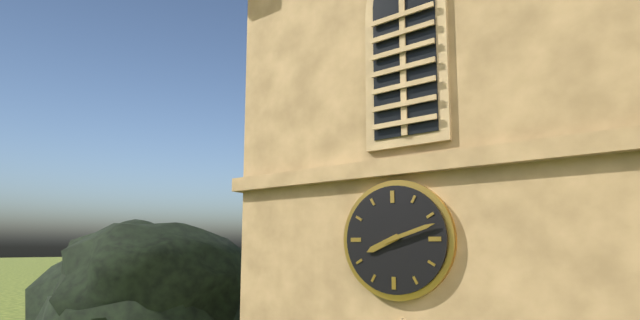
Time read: 8 h 12 min
